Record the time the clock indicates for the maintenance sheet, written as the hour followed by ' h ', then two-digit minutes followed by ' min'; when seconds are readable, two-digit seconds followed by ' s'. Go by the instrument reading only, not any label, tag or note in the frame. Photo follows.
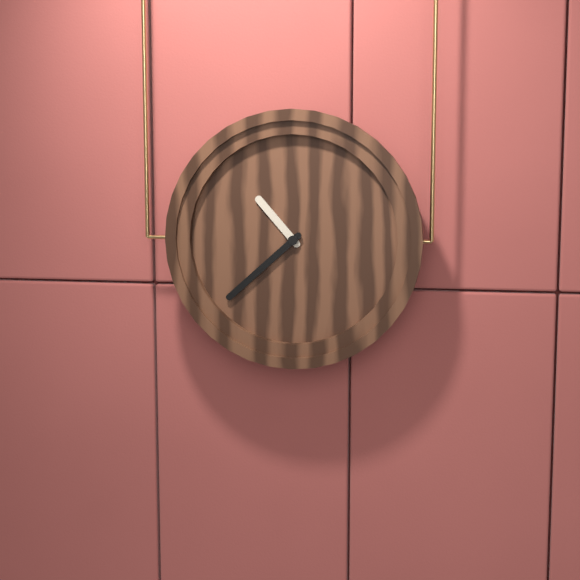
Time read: 10 h 38 min
